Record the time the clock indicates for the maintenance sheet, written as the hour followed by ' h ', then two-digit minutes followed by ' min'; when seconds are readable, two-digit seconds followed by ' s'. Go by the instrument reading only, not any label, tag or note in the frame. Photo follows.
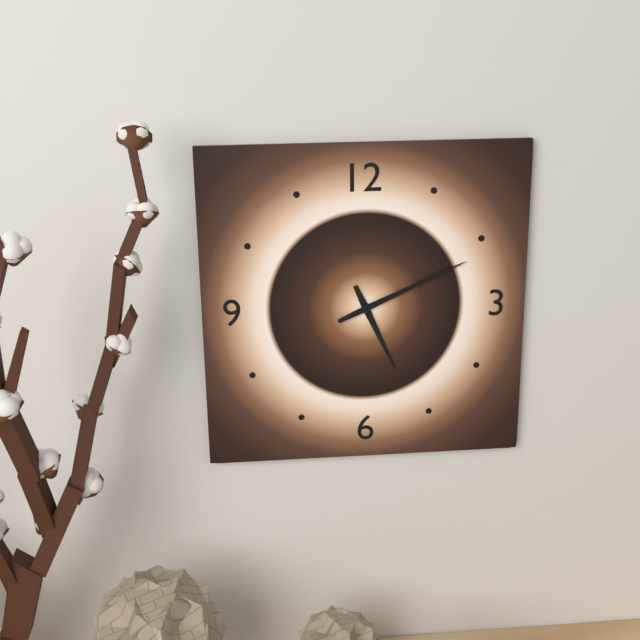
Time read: 5 h 11 min
